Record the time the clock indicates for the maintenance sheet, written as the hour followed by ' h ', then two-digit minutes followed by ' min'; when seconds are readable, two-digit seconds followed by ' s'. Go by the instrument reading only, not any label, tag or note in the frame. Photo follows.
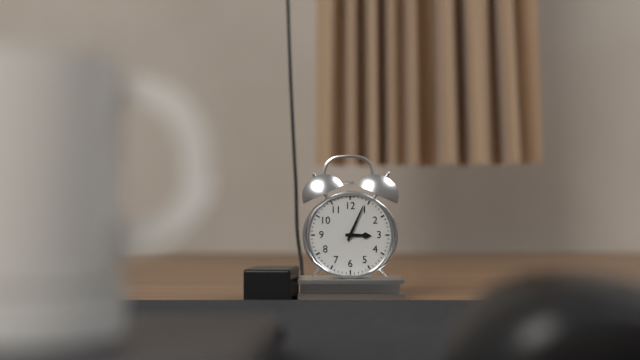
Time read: 3 h 04 min
